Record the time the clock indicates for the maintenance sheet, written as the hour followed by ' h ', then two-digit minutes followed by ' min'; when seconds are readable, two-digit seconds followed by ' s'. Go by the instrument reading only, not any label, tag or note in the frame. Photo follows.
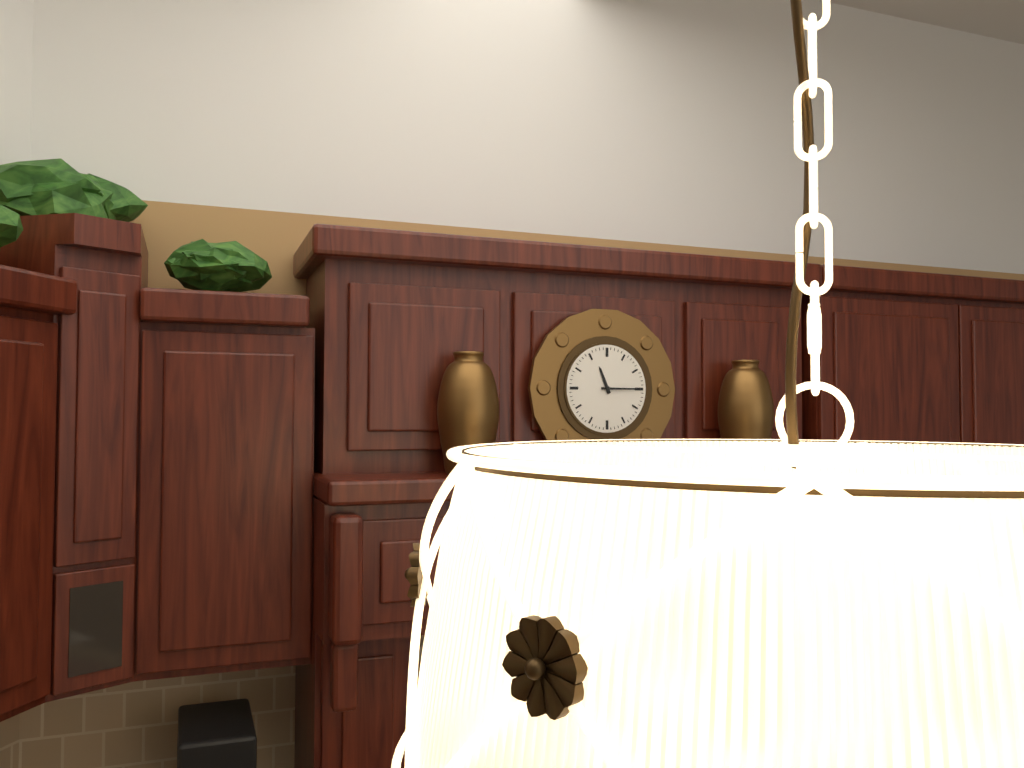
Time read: 11 h 15 min
